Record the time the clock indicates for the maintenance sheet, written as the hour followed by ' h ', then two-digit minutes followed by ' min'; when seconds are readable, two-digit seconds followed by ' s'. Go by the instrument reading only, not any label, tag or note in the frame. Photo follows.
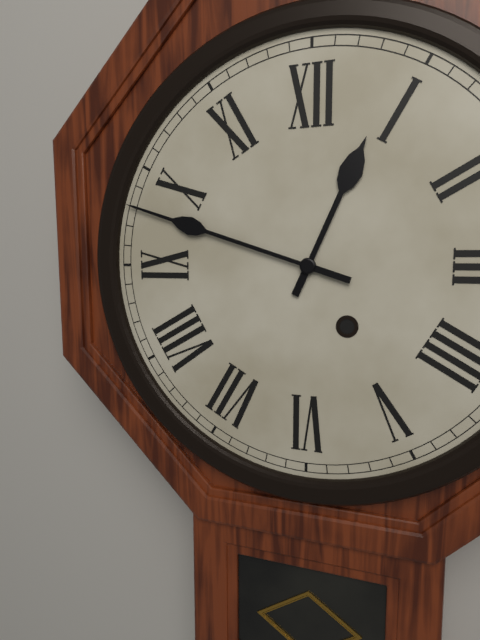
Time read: 12 h 48 min
